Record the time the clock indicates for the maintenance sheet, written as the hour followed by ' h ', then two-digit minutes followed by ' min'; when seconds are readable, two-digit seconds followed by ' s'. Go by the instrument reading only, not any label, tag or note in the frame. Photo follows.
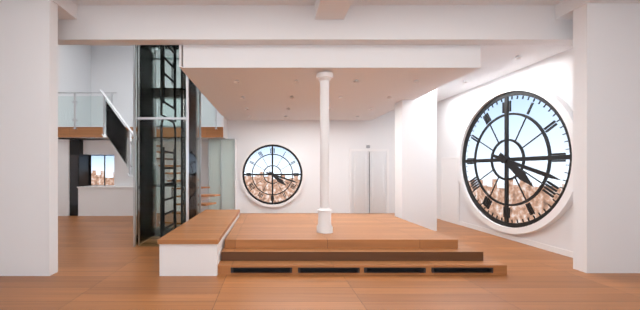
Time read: 4 h 18 min
